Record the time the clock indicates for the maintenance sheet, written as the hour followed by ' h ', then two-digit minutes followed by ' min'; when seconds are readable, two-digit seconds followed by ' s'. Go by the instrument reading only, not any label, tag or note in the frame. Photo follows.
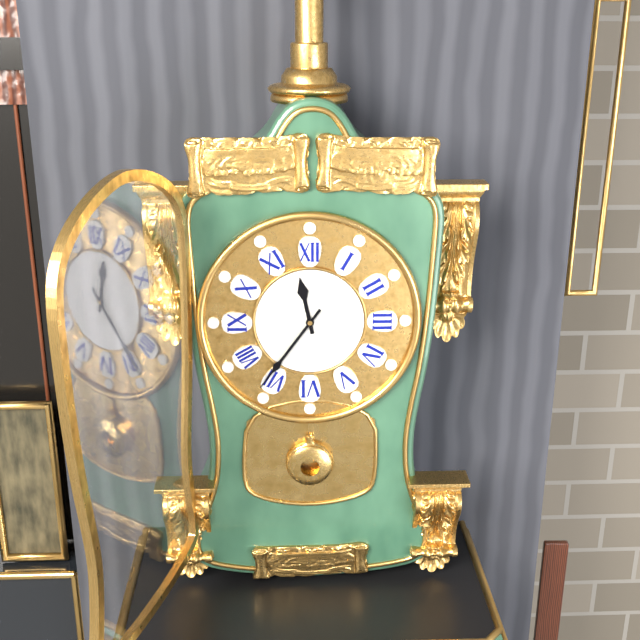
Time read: 11 h 36 min
